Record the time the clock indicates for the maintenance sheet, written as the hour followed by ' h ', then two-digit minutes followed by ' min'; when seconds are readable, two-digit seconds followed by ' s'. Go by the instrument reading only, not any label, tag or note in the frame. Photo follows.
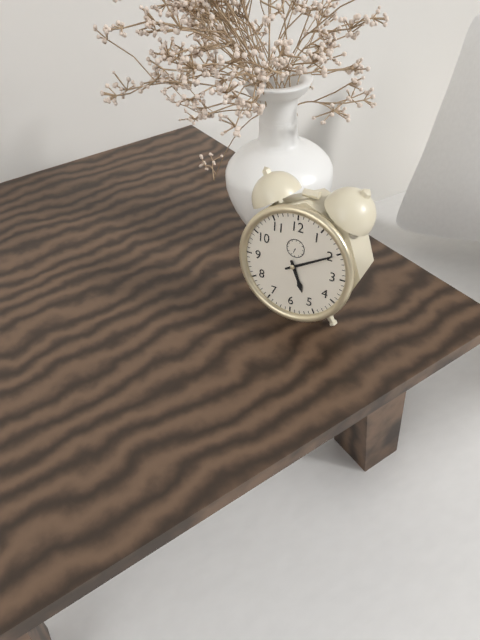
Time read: 5 h 10 min
